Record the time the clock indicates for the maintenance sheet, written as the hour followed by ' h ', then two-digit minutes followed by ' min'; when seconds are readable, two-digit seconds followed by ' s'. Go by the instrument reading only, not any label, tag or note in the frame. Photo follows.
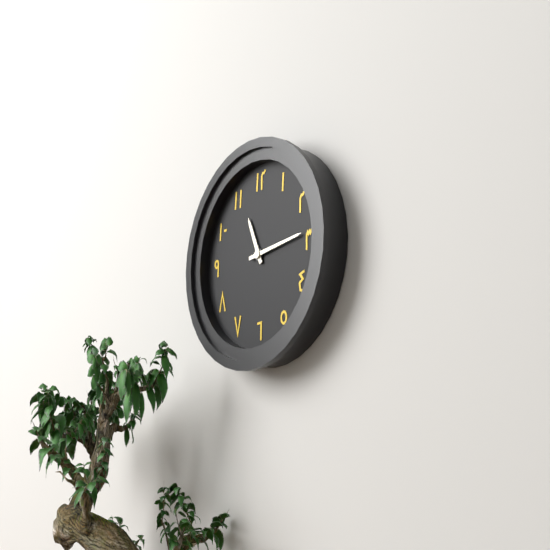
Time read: 11 h 14 min
